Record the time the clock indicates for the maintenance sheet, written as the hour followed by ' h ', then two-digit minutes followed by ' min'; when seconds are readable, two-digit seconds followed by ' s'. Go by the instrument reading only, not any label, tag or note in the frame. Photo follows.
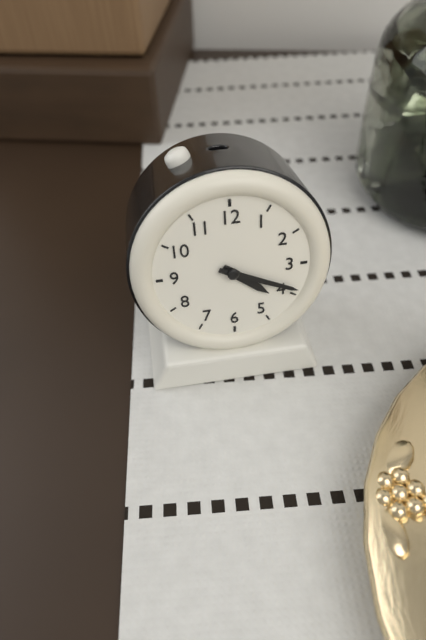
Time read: 4 h 19 min
